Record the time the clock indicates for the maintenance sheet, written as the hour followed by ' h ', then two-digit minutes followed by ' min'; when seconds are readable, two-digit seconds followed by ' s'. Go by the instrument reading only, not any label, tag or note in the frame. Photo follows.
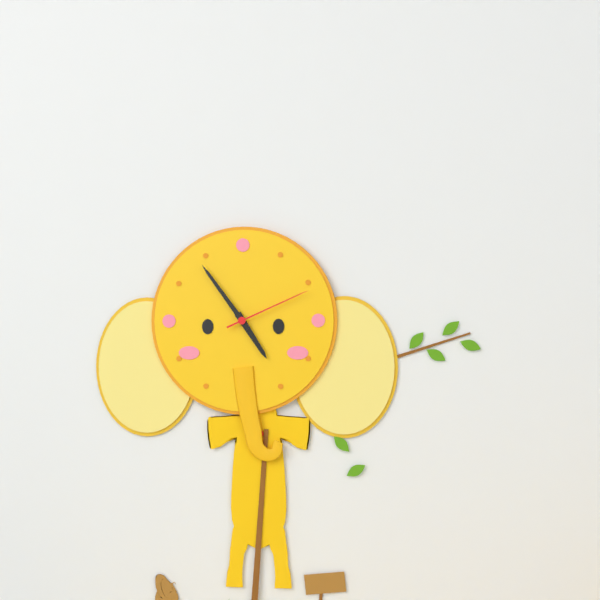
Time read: 4 h 54 min 11 s
